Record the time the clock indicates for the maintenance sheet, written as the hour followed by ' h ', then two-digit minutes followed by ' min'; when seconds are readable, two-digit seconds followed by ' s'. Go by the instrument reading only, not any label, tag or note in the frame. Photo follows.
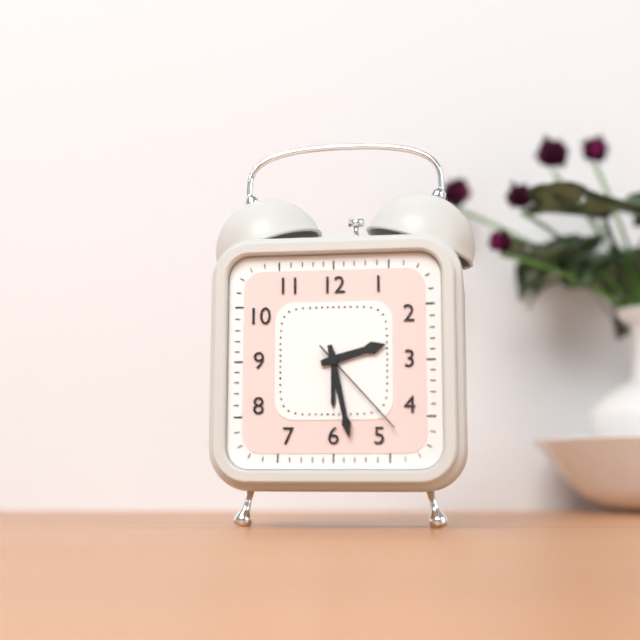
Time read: 2 h 28 min 23 s
